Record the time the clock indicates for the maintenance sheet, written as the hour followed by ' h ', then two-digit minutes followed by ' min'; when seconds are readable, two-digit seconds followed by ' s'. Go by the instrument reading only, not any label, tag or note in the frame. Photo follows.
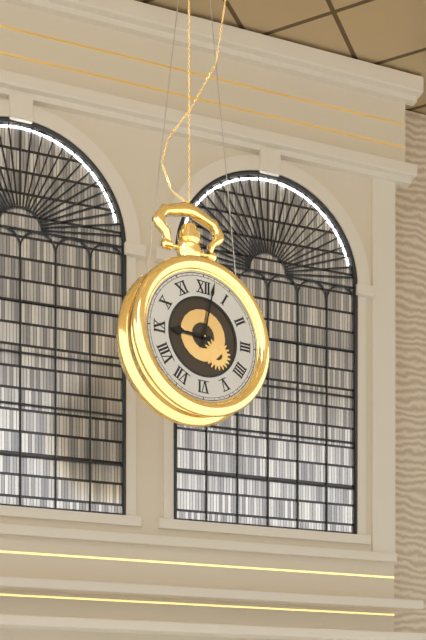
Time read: 9 h 02 min
